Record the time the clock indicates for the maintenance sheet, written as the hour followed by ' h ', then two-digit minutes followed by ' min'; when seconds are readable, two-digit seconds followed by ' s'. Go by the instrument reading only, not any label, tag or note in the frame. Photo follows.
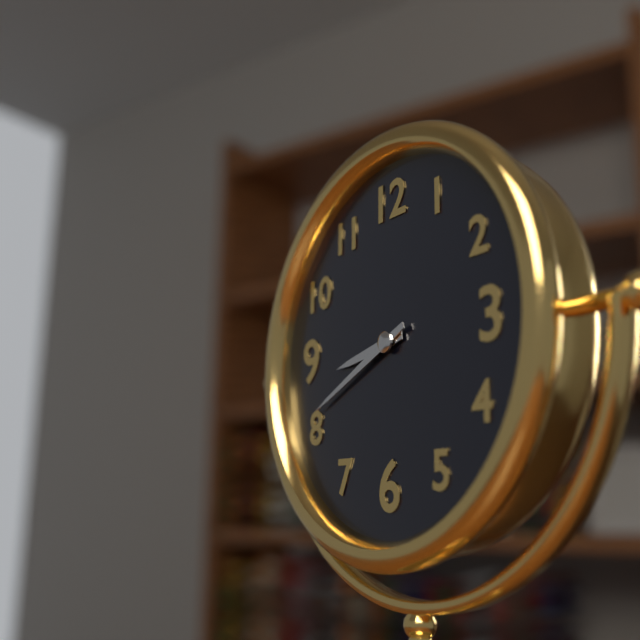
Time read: 8 h 41 min
